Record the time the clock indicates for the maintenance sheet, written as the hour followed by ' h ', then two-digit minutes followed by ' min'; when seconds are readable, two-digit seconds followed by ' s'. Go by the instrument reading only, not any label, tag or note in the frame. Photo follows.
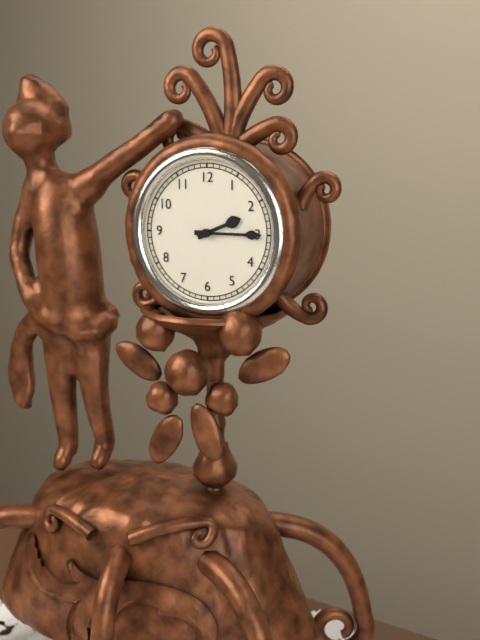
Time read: 2 h 15 min
